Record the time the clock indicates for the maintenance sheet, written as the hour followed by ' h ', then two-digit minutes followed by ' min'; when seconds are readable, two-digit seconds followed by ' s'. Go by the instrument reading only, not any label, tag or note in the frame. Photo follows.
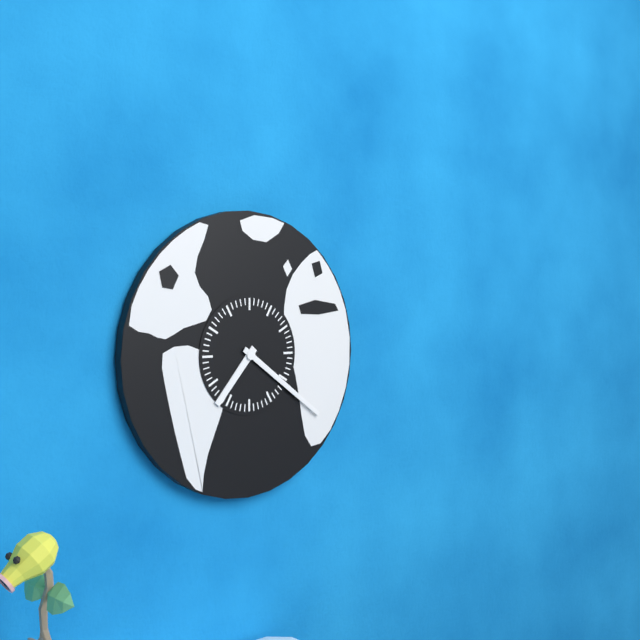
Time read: 7 h 21 min
